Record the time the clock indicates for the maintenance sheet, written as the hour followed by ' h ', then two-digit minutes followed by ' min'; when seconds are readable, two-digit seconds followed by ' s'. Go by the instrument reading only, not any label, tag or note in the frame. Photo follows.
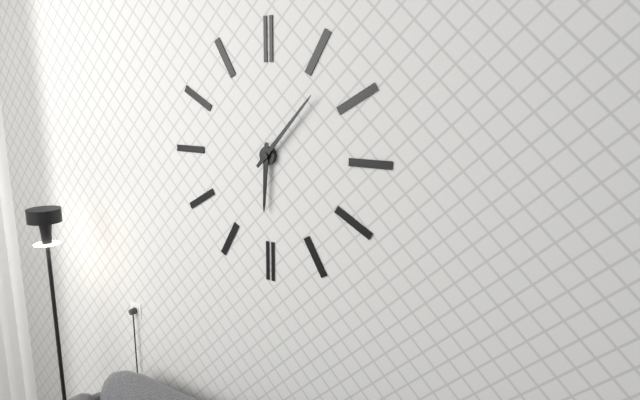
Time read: 6 h 07 min
